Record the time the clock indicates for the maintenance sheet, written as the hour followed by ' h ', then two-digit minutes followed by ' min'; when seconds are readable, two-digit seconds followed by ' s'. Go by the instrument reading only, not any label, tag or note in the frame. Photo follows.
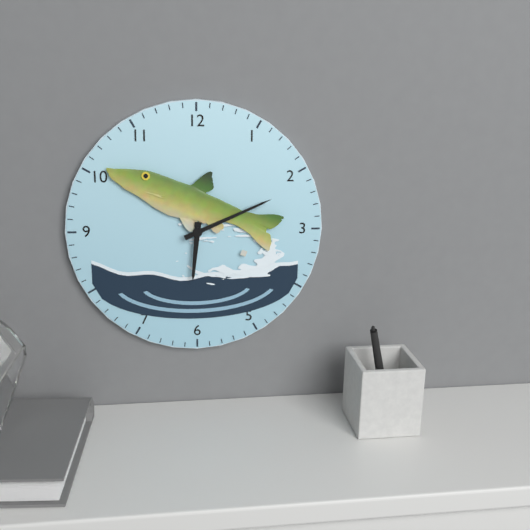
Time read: 6 h 11 min
